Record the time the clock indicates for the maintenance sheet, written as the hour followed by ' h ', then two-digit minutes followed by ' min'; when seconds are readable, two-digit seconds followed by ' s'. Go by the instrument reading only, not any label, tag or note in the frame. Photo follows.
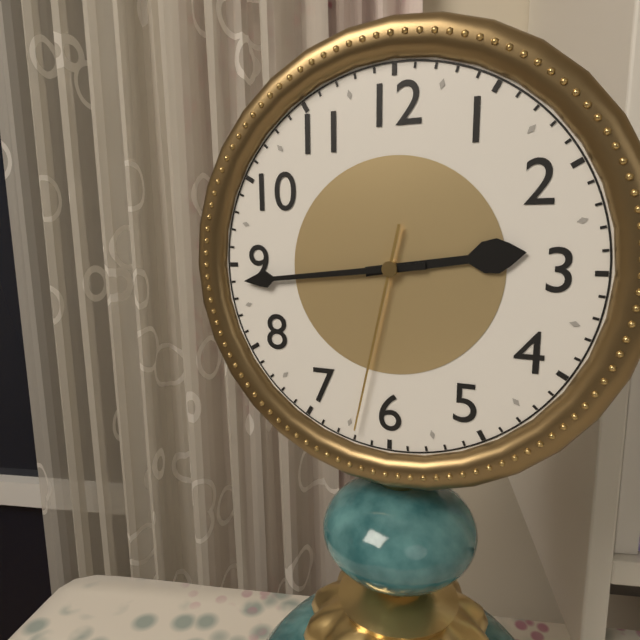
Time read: 2 h 44 min 32 s
